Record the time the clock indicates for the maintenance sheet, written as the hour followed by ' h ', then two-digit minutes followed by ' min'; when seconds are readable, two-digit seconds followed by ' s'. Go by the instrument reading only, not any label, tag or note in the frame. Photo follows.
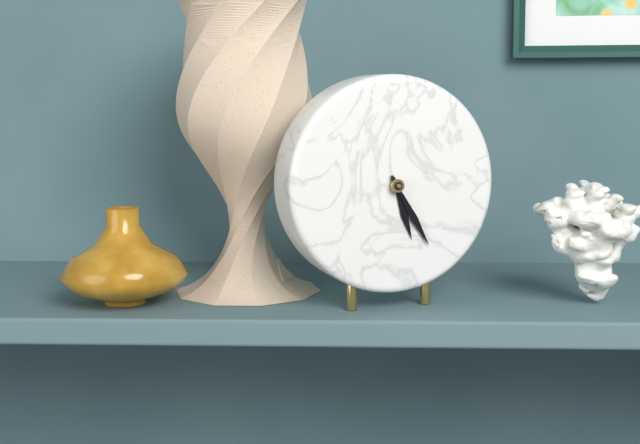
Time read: 5 h 25 min
